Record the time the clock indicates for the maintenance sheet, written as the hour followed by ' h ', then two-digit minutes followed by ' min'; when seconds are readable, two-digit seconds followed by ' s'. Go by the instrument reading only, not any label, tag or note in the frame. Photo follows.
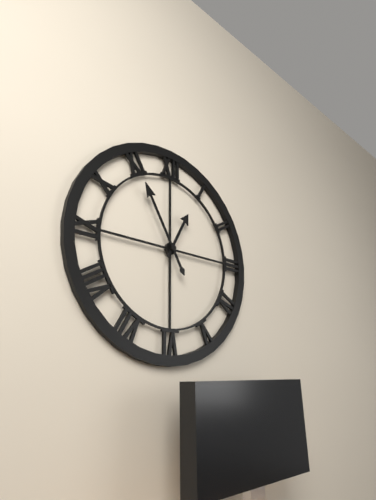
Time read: 12 h 55 min
